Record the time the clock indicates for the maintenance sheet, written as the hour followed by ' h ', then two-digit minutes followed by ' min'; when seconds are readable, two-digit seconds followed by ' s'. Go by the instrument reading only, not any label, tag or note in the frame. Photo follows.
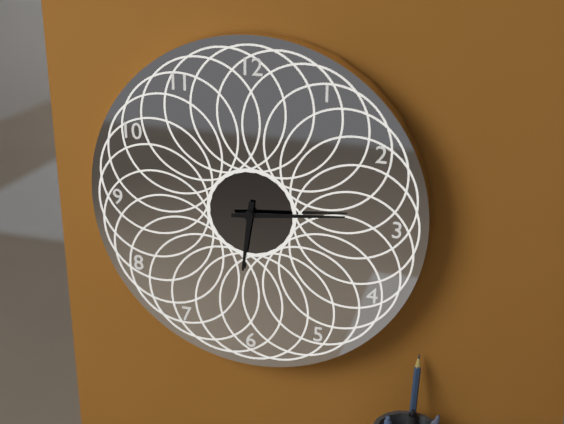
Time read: 6 h 14 min
